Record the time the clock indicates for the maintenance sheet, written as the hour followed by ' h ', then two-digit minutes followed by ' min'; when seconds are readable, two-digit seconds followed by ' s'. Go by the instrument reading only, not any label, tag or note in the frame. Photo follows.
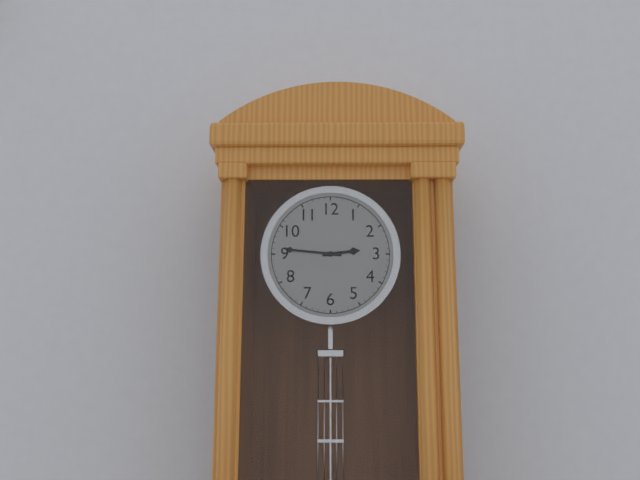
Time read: 2 h 46 min
